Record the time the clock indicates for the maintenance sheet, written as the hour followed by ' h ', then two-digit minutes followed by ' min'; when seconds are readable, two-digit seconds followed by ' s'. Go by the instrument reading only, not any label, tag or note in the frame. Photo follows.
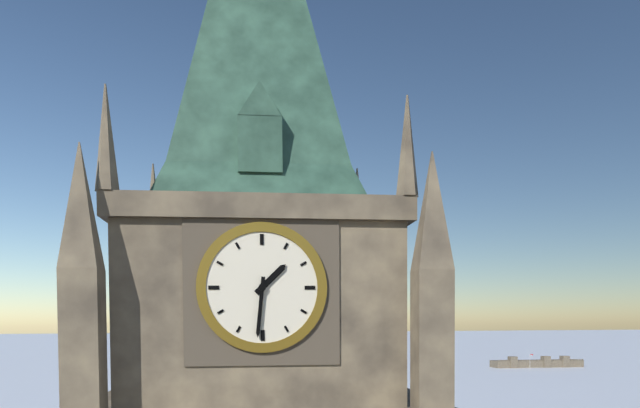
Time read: 1 h 31 min
